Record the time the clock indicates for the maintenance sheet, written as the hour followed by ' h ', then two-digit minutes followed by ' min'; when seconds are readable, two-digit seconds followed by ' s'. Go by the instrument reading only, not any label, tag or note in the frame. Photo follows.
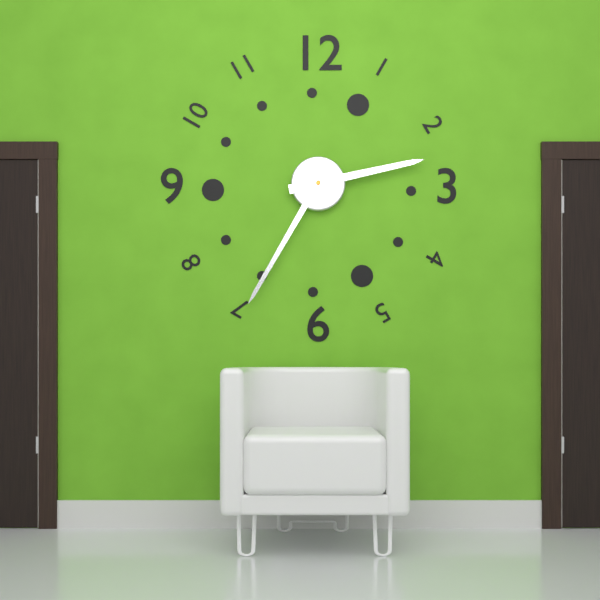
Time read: 2 h 35 min
